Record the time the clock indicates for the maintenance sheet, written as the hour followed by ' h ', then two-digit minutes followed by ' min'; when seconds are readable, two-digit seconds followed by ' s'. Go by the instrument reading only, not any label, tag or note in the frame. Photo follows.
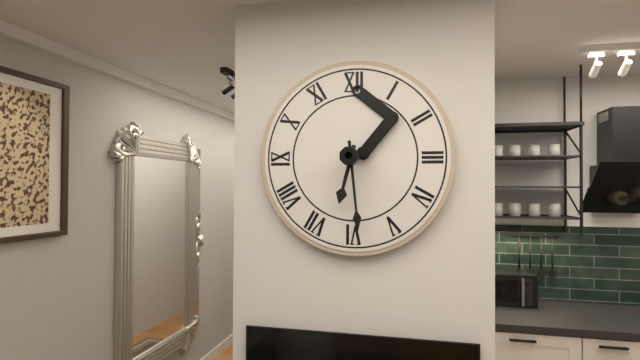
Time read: 6 h 29 min
